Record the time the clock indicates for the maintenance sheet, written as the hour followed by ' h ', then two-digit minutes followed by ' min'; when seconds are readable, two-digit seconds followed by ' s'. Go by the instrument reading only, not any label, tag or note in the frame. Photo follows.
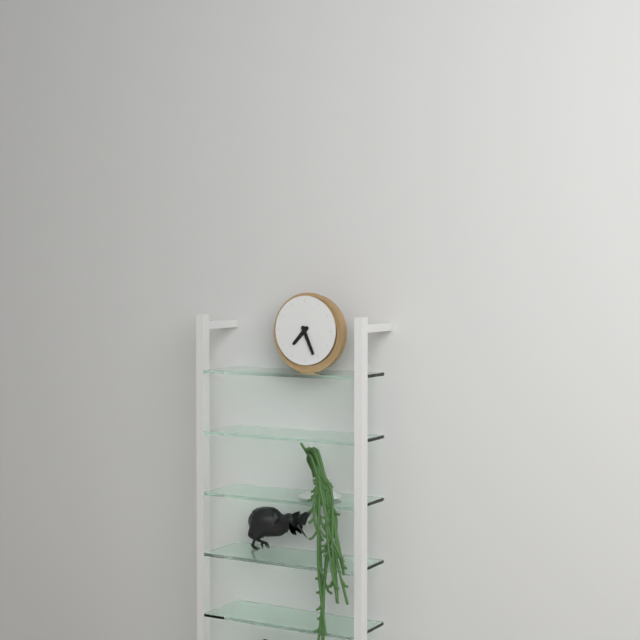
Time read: 7 h 26 min
